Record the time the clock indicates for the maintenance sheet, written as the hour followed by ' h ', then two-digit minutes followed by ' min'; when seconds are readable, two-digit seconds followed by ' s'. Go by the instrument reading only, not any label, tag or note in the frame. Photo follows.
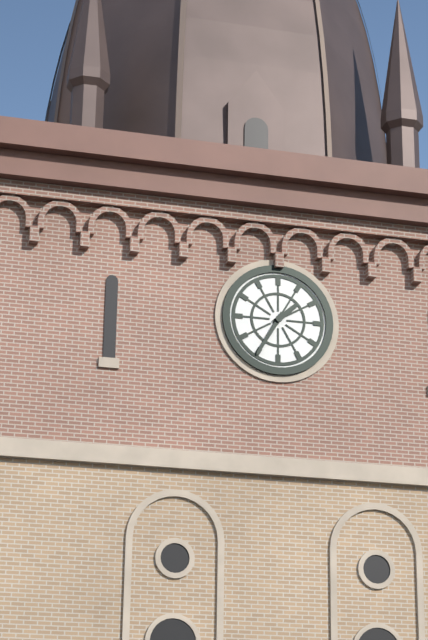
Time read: 1 h 35 min
